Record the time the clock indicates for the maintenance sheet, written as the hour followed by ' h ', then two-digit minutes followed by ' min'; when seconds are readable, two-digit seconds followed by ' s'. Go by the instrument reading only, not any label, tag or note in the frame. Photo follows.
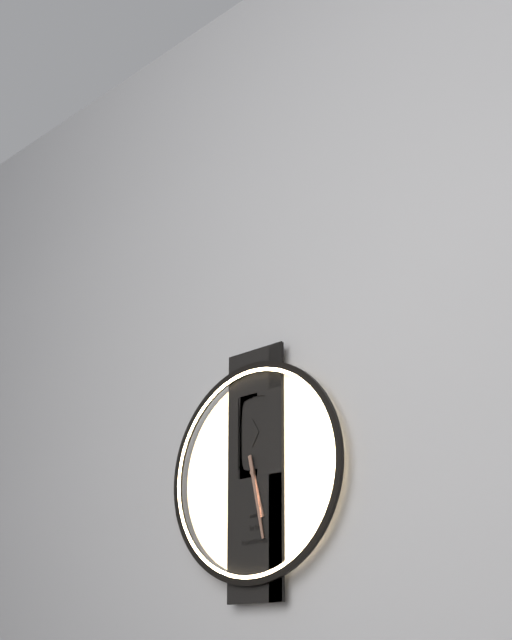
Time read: 5 h 28 min
